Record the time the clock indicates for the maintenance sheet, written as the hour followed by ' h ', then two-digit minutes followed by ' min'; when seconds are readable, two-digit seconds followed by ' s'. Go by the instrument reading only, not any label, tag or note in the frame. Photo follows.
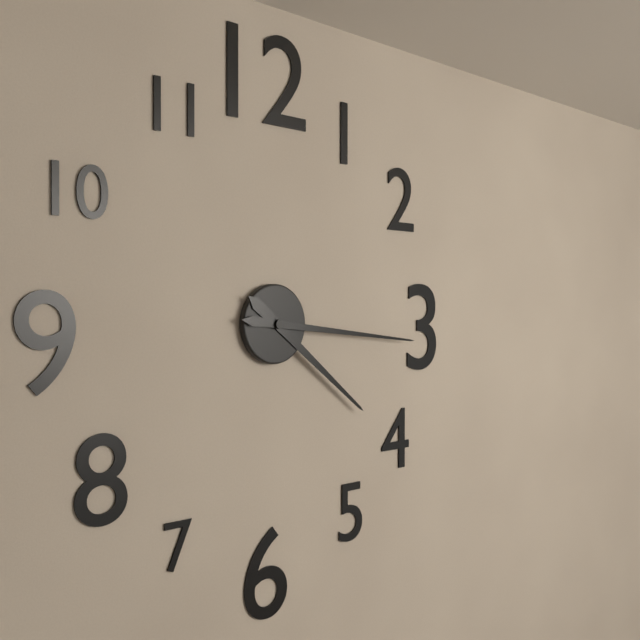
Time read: 4 h 16 min
